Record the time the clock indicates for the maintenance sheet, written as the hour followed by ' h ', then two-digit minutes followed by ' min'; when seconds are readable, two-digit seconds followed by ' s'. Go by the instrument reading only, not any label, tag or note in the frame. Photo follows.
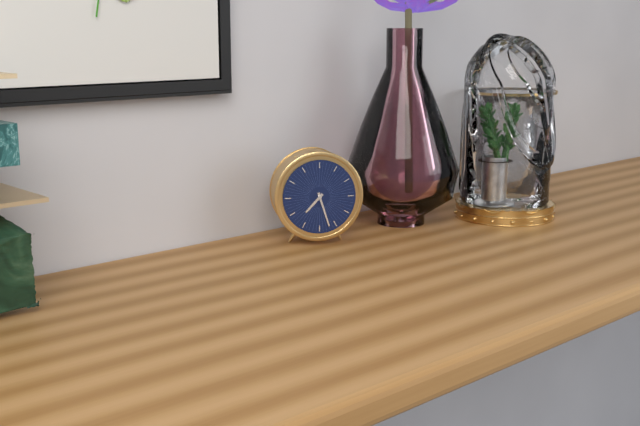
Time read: 7 h 27 min
